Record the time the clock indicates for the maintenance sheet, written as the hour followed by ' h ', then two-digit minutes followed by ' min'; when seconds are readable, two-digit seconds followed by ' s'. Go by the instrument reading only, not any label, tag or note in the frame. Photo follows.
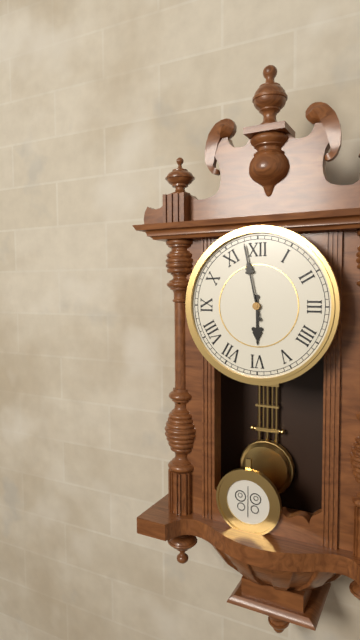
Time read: 5 h 58 min
